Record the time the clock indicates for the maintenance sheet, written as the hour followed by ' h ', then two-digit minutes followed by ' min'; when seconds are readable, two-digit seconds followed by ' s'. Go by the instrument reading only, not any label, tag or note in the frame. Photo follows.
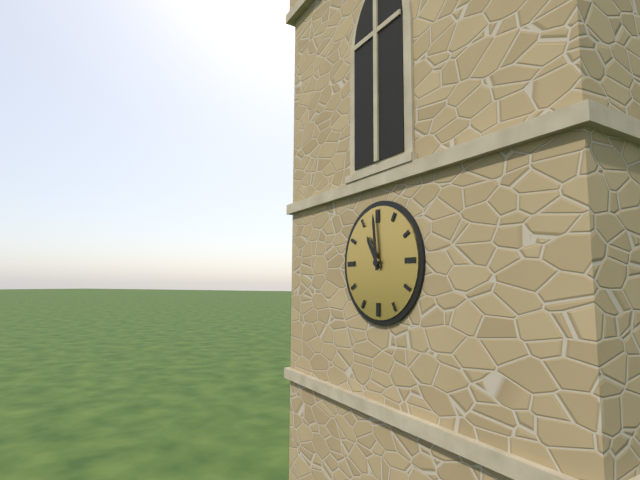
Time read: 10 h 59 min
